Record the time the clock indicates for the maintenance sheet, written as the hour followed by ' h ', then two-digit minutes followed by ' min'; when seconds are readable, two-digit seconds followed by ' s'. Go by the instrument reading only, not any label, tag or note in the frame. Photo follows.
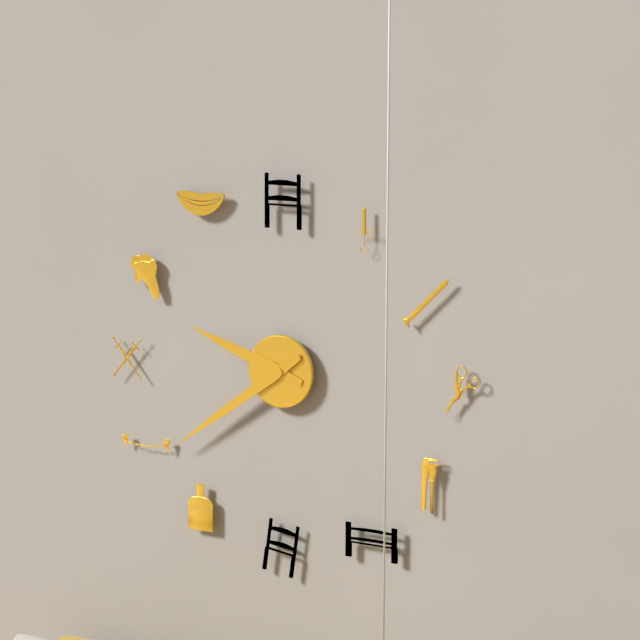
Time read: 9 h 39 min
